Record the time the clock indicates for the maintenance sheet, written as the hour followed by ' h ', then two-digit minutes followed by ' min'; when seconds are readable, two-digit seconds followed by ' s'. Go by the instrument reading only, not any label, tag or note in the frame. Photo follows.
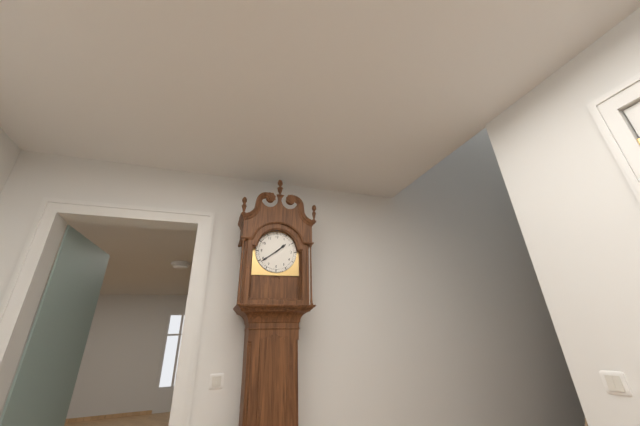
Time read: 1 h 39 min
